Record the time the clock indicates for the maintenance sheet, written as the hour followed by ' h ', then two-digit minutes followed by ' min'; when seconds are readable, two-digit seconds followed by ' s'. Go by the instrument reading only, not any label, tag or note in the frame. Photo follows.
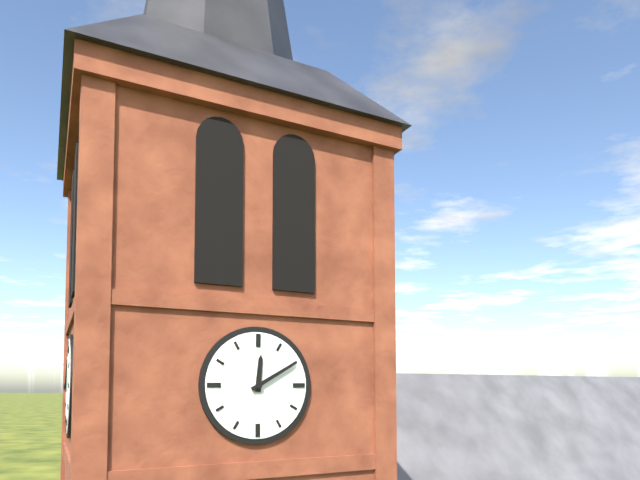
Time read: 12 h 10 min
